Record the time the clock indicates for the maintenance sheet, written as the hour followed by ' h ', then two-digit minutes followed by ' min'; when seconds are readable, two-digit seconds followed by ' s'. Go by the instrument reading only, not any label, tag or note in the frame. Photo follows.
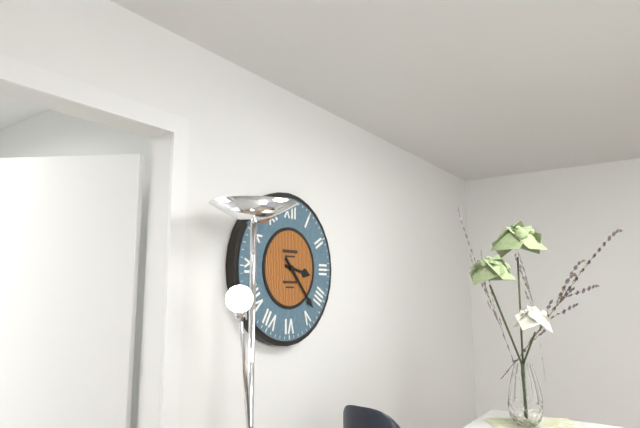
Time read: 3 h 23 min
